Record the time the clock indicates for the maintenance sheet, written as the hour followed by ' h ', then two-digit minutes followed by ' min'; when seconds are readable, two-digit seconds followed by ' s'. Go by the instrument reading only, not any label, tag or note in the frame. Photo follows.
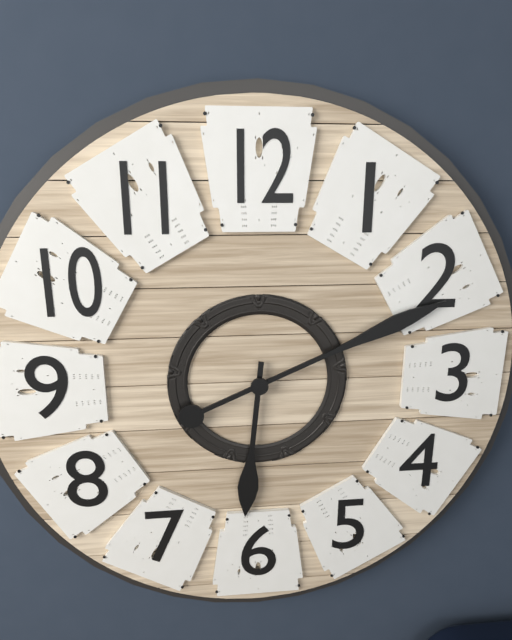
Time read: 6 h 11 min
